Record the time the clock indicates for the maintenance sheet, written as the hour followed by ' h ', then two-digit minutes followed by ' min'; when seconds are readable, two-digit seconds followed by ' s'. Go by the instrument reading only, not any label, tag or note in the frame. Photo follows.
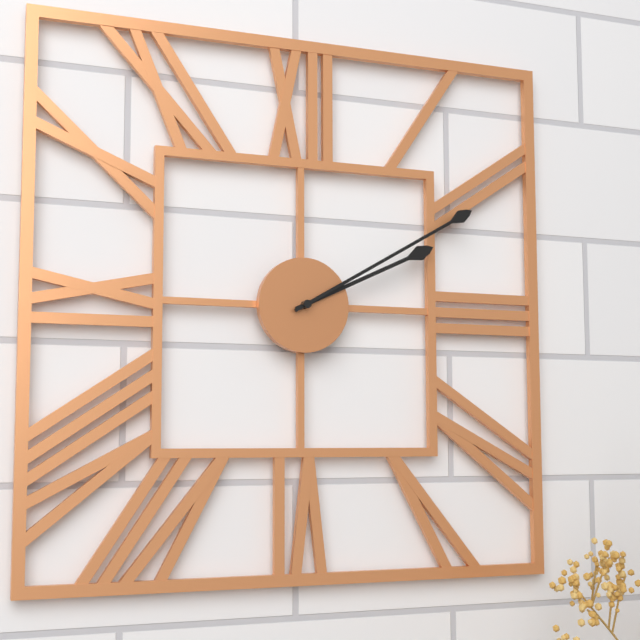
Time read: 2 h 10 min
